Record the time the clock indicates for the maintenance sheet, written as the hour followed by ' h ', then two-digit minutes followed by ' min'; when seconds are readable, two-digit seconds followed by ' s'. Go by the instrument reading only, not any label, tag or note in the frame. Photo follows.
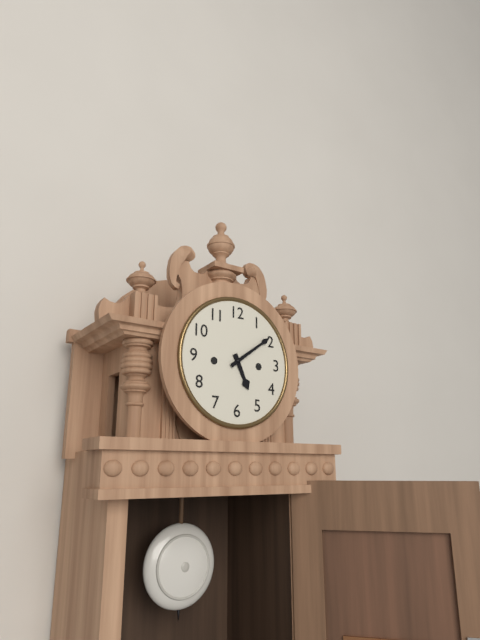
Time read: 5 h 09 min
